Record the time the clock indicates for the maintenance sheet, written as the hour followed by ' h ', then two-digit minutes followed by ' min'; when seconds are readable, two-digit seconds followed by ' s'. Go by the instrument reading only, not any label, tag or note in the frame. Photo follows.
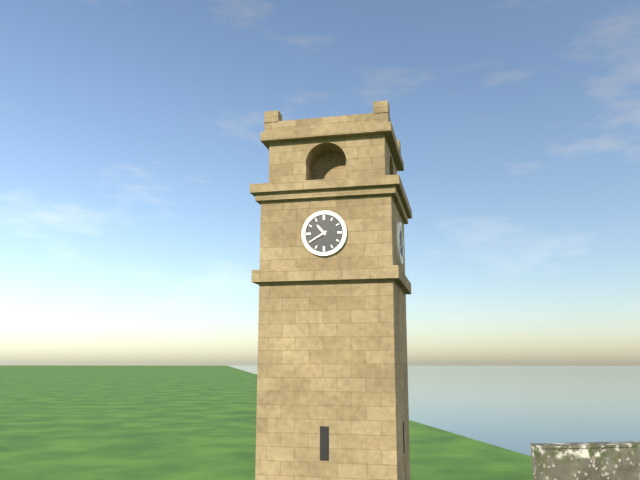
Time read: 10 h 40 min
